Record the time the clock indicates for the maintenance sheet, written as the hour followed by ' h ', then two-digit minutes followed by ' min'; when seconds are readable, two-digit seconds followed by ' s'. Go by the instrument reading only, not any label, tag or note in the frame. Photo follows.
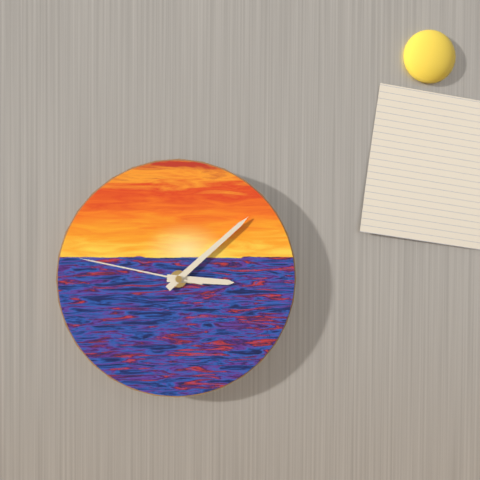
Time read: 3 h 08 min 47 s
